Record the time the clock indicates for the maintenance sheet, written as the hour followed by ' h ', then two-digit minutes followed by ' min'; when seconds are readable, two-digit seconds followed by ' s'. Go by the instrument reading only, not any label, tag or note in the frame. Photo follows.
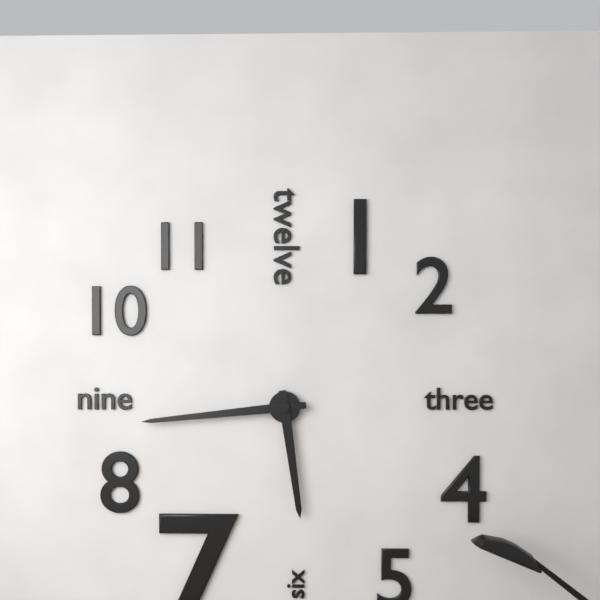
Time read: 5 h 44 min
